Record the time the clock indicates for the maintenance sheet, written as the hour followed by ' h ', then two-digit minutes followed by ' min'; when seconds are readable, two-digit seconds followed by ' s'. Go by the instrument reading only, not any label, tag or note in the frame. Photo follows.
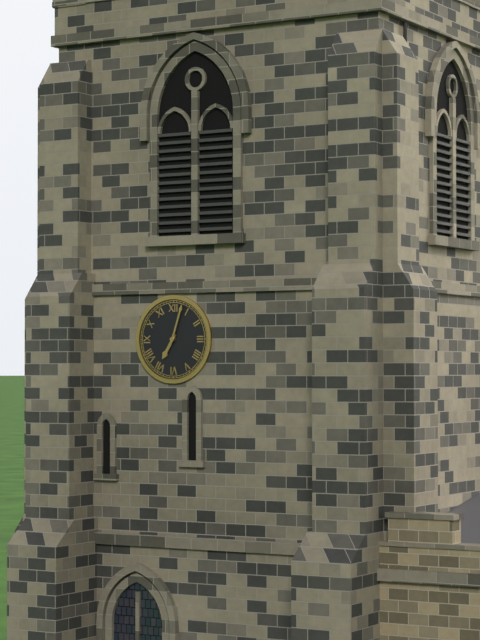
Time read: 7 h 03 min
